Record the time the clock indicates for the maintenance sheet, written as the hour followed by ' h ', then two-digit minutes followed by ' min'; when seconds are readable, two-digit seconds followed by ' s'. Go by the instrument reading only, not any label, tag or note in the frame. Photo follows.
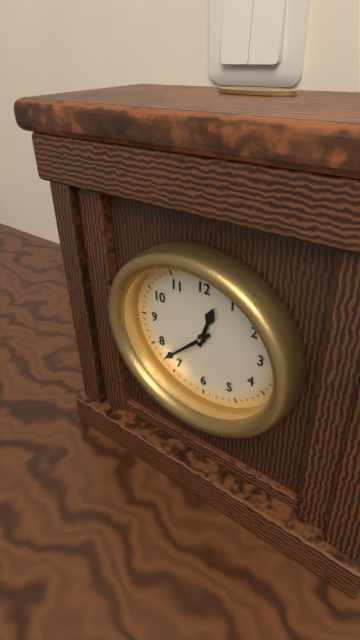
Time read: 12 h 38 min
